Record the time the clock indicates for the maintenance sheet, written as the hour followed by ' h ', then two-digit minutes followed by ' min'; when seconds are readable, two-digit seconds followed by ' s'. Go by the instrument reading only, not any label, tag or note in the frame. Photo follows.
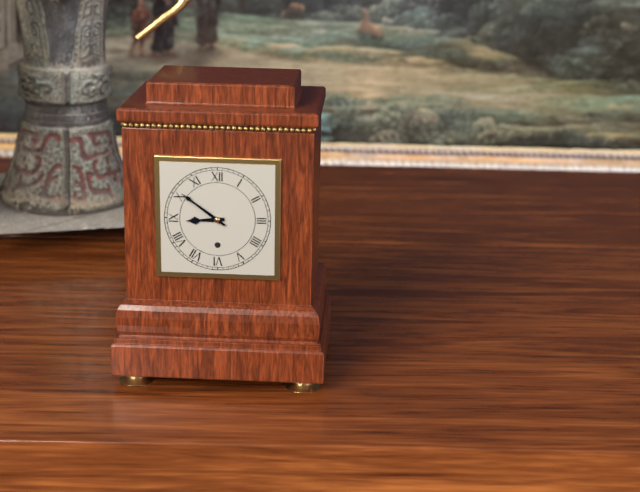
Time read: 8 h 51 min
